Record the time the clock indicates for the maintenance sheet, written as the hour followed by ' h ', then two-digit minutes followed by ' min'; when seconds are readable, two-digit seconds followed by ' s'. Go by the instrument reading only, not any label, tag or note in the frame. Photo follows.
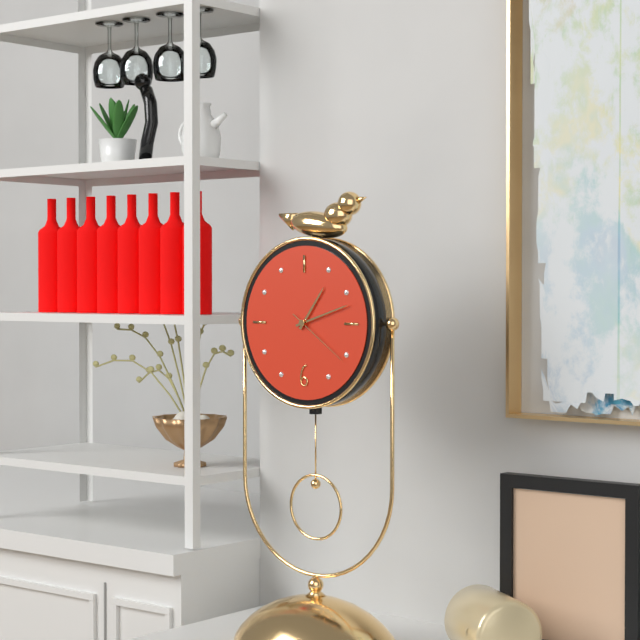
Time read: 1 h 12 min 21 s
